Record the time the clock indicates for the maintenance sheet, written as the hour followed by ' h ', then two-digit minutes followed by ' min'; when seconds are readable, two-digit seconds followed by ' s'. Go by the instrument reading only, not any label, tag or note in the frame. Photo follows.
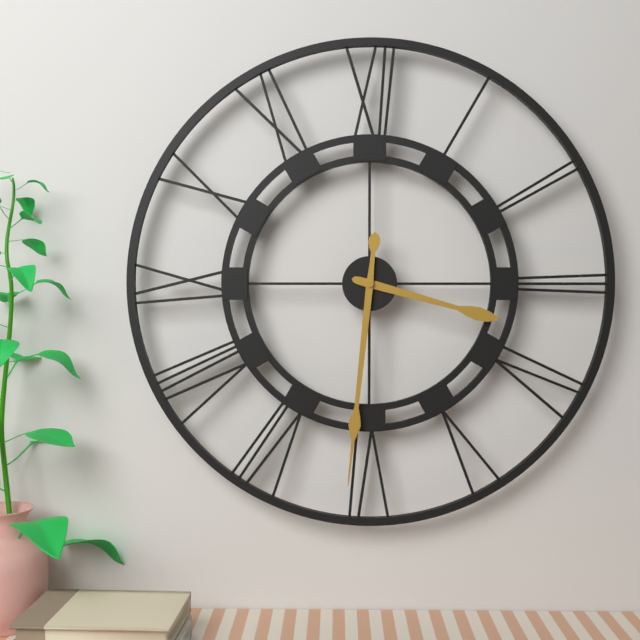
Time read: 3 h 31 min
